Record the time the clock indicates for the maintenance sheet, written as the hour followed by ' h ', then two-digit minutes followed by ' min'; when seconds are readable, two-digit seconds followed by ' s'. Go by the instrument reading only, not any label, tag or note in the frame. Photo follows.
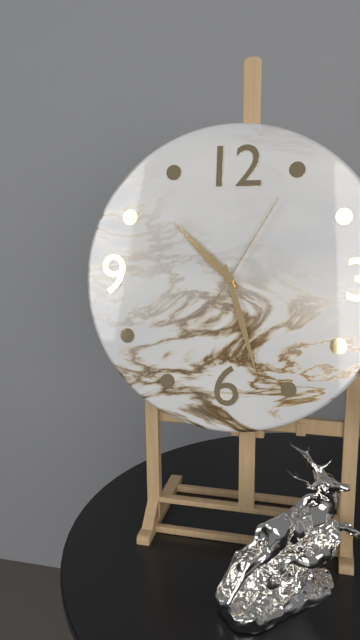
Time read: 10 h 27 min 05 s
